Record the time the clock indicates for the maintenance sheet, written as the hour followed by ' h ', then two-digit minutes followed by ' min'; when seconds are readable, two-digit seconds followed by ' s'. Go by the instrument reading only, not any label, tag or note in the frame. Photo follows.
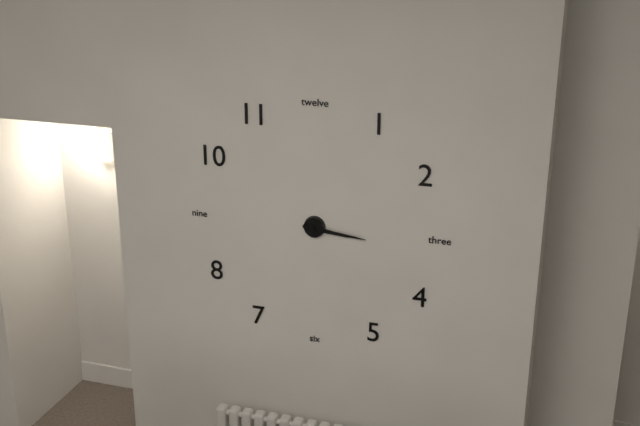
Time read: 3 h 16 min
